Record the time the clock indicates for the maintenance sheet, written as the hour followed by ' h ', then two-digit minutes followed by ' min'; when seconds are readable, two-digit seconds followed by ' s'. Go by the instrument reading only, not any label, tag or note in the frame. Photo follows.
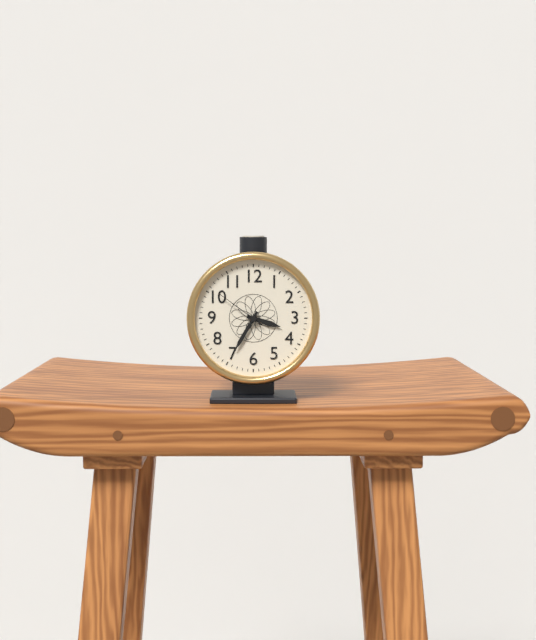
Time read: 3 h 35 min 51 s
